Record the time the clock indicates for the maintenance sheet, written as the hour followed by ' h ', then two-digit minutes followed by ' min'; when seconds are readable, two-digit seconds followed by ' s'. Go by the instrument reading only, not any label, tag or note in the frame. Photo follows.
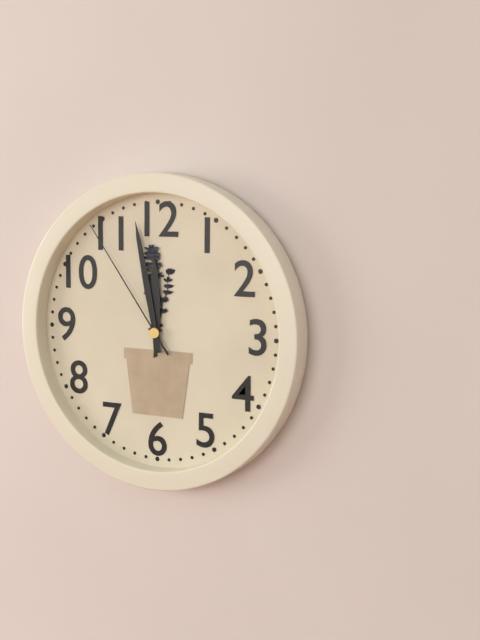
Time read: 11 h 58 min 54 s
